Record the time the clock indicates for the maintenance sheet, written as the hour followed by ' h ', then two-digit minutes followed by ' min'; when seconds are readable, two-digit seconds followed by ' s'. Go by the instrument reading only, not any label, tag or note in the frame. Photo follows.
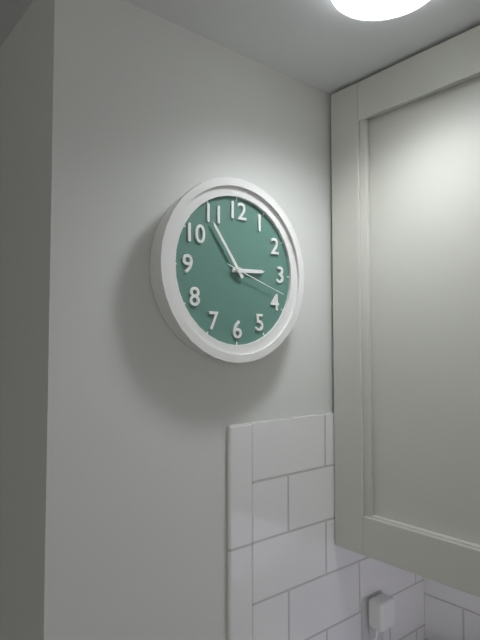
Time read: 2 h 54 min 18 s
